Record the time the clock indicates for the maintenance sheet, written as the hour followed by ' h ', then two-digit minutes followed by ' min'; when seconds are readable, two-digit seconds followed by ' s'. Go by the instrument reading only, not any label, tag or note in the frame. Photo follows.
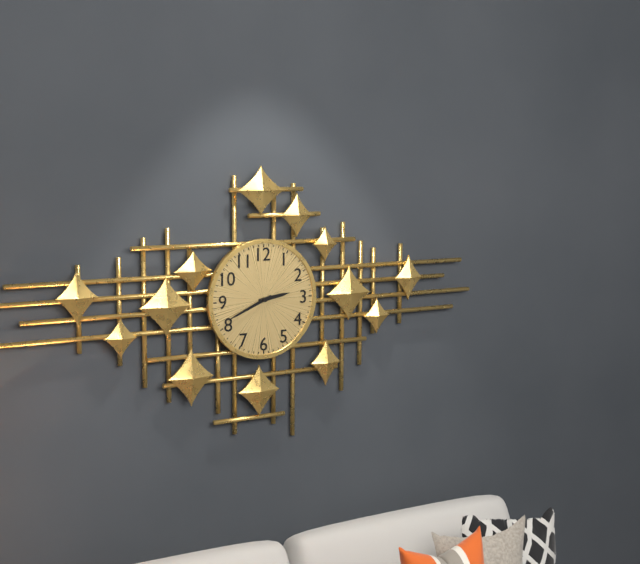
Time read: 2 h 41 min
